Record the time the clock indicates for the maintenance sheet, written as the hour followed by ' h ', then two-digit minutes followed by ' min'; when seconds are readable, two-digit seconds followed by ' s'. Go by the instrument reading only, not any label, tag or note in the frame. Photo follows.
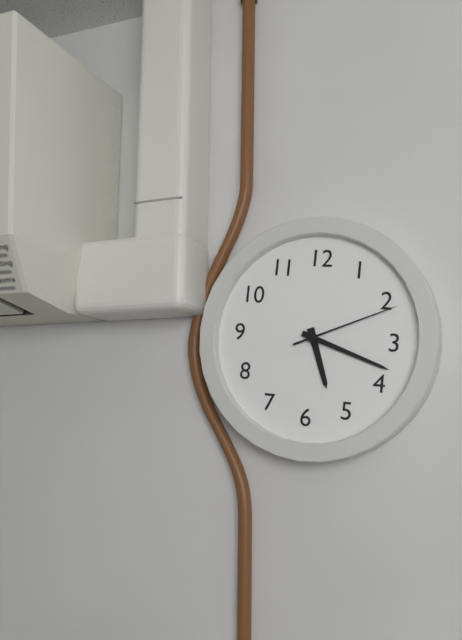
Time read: 5 h 18 min 11 s
